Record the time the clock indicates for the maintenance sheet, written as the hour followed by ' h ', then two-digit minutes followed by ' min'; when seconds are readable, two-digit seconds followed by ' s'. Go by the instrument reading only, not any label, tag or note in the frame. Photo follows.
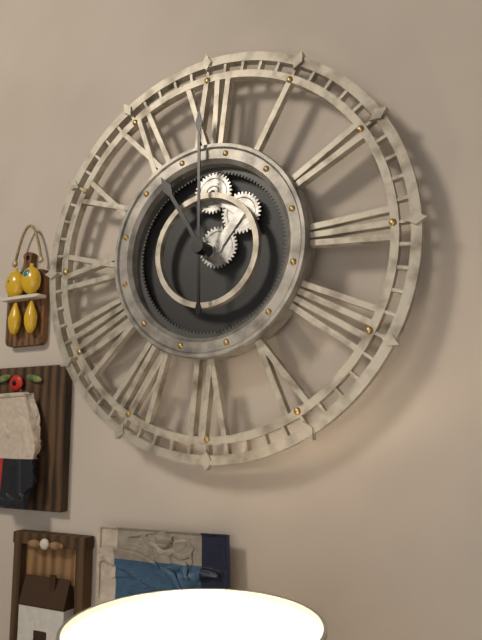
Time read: 11 h 00 min
